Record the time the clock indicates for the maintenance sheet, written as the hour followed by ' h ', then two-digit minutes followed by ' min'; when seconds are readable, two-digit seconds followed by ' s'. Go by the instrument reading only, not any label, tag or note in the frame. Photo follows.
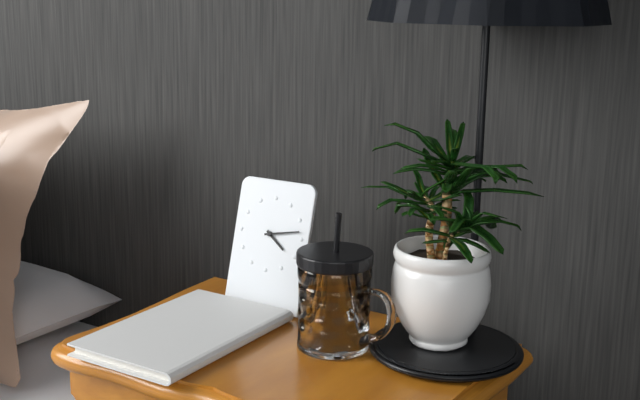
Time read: 4 h 13 min
